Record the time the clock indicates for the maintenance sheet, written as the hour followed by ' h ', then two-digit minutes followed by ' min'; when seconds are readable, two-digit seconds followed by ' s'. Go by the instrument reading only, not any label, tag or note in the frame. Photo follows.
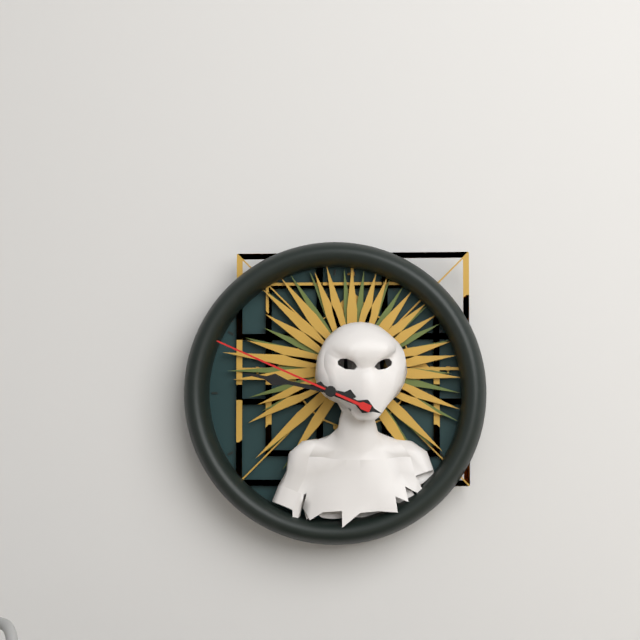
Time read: 3 h 47 min 49 s
